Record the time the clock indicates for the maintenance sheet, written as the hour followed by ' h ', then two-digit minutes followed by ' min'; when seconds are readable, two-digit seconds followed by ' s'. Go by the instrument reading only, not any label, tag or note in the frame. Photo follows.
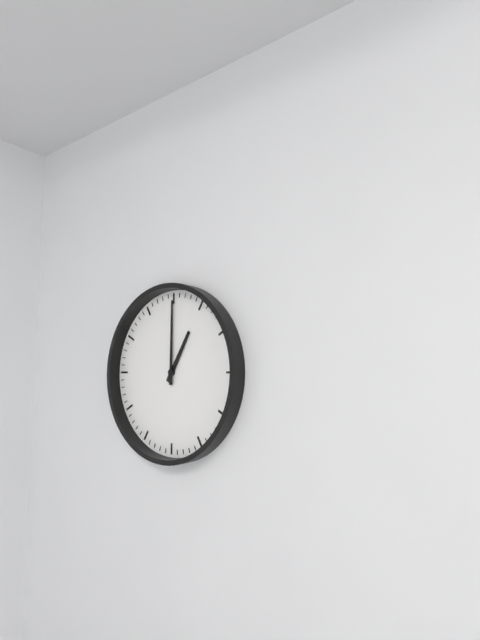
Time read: 1 h 00 min
